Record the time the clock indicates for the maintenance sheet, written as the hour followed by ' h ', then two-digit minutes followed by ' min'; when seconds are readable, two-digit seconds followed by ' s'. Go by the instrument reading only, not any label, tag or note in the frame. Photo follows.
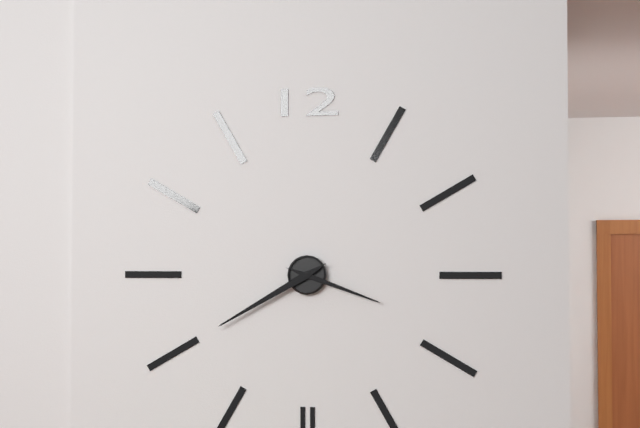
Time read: 3 h 40 min
